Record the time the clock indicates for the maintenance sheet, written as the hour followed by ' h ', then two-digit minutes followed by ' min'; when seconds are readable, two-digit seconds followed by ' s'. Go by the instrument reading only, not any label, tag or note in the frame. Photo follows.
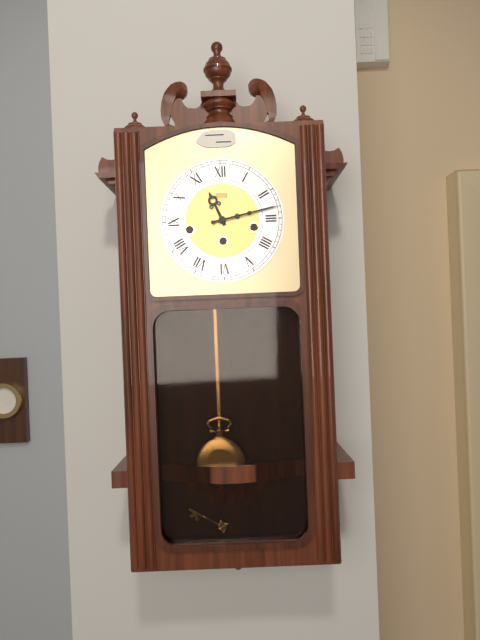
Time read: 11 h 13 min
